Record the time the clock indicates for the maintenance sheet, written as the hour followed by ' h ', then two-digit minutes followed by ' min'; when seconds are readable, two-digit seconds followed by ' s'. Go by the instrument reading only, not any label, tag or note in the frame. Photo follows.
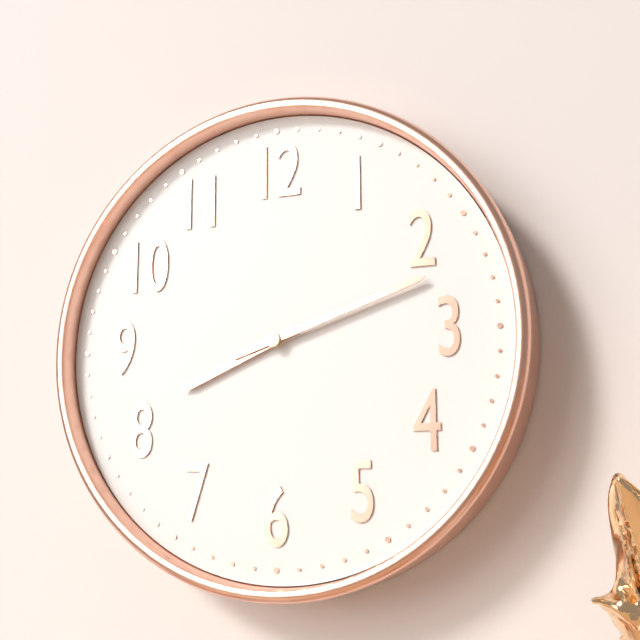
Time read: 8 h 12 min
